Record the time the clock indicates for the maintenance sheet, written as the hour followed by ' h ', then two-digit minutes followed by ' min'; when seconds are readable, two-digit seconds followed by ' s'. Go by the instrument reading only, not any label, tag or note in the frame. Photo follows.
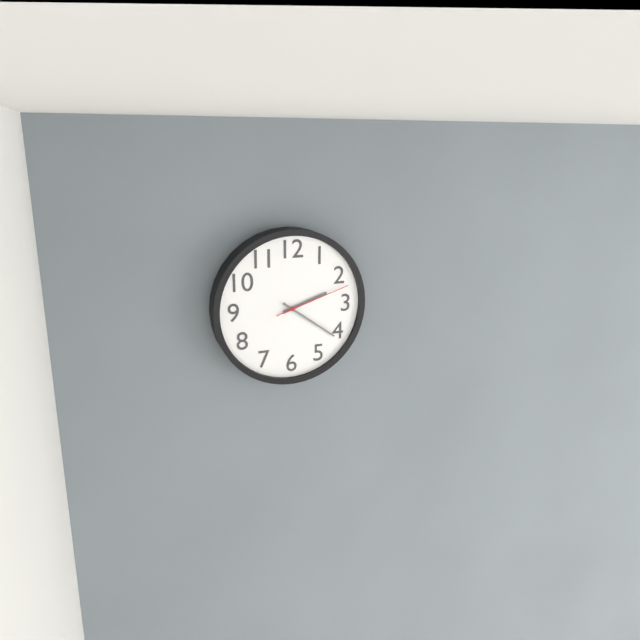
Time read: 2 h 21 min 12 s
